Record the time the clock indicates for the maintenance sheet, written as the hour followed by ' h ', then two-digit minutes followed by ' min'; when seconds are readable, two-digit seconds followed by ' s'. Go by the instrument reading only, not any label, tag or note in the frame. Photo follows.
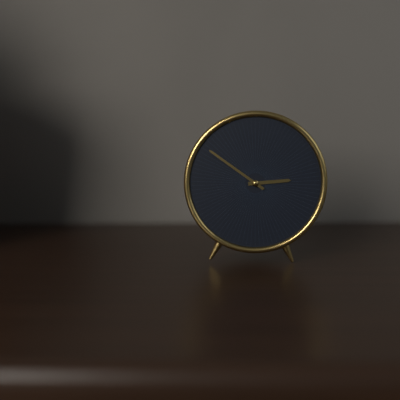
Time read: 2 h 51 min
